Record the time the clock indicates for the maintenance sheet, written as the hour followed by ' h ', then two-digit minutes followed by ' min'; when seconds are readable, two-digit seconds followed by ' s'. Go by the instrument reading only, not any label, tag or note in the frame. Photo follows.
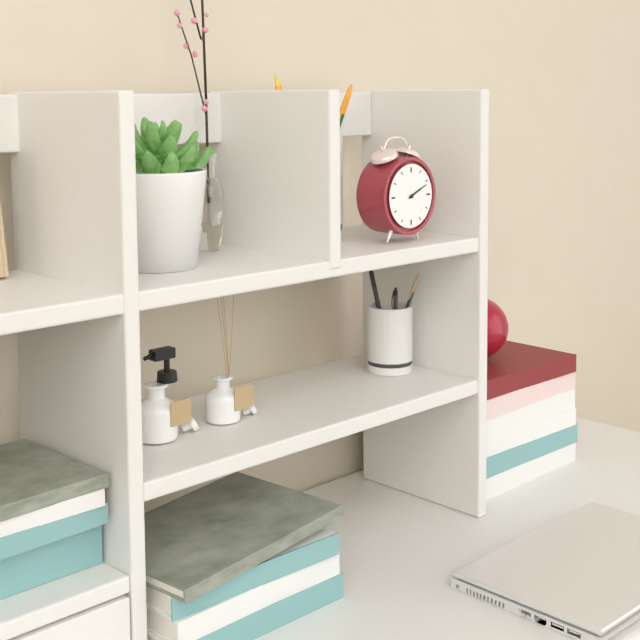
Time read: 2 h 11 min
